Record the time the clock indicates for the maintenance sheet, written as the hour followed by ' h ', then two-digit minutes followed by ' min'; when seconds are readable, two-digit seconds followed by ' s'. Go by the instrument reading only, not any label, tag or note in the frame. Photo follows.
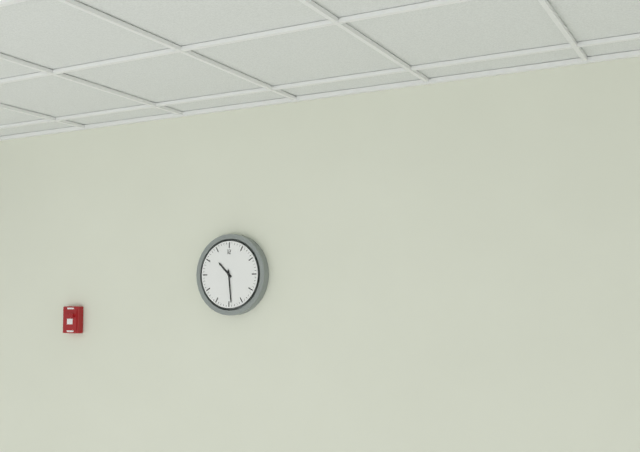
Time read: 10 h 29 min
